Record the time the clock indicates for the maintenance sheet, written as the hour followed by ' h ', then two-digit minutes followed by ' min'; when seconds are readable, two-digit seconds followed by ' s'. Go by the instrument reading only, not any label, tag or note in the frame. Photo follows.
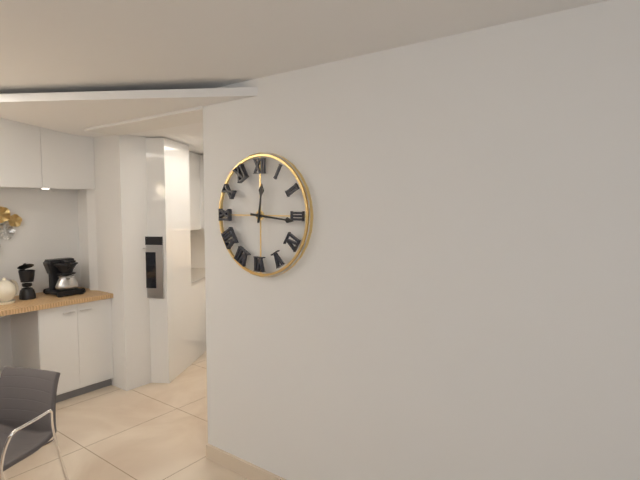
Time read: 12 h 16 min
